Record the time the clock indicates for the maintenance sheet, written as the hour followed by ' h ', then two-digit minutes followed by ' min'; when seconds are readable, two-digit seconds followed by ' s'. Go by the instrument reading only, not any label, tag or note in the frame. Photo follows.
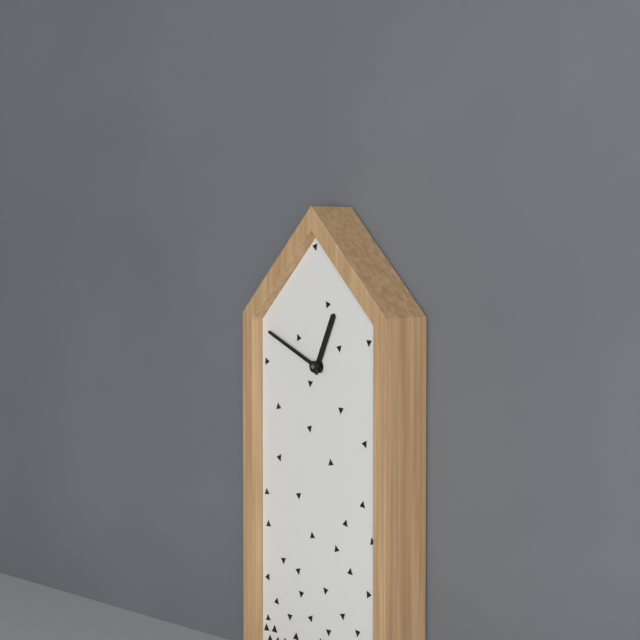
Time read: 12 h 49 min
